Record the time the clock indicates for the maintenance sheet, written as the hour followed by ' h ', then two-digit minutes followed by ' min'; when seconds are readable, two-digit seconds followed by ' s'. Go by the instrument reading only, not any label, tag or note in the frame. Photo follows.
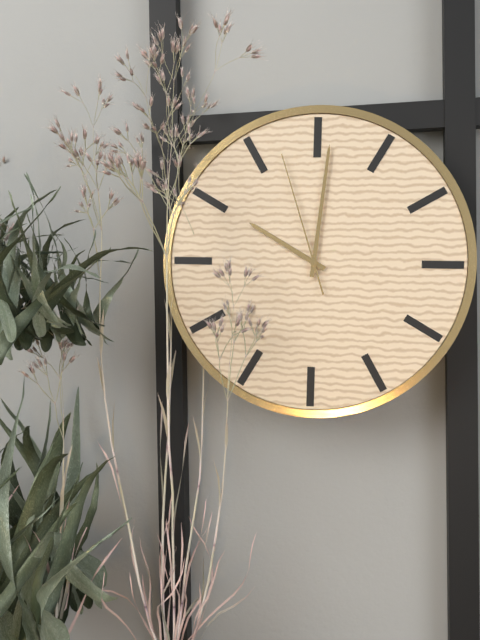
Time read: 10 h 01 min 57 s
